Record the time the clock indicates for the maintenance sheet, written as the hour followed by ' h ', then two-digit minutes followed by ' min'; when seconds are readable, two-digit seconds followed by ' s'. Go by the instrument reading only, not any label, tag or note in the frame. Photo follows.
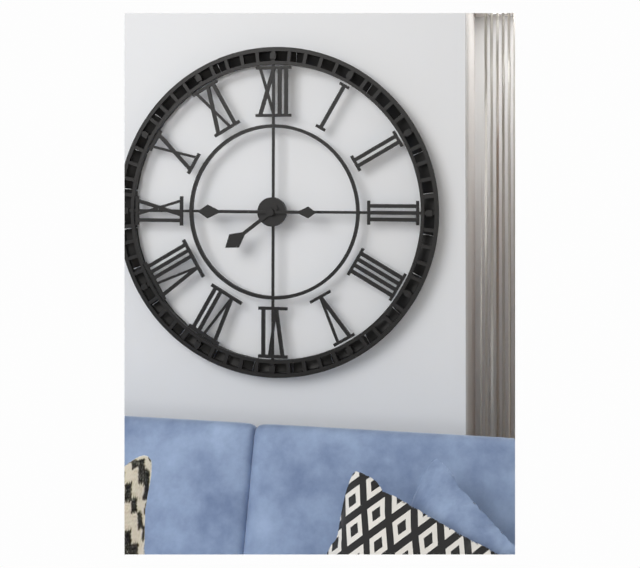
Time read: 7 h 45 min
